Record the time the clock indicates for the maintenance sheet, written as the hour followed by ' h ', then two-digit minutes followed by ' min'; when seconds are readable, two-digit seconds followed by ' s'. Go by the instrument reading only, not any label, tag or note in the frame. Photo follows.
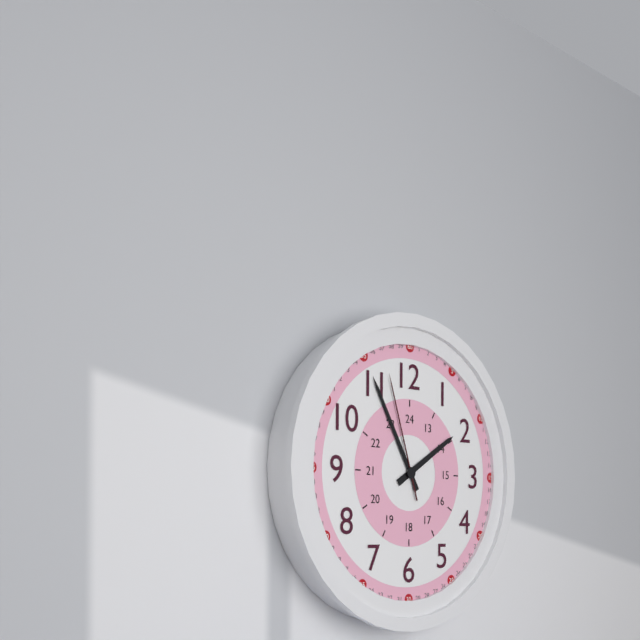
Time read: 1 h 55 min 57 s
